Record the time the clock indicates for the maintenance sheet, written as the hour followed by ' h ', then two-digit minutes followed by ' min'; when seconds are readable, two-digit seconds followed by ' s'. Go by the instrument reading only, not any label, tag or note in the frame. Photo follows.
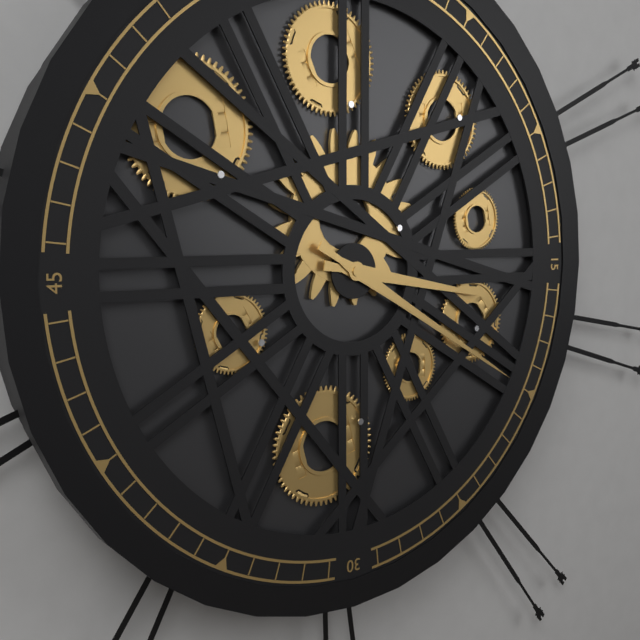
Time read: 3 h 20 min
